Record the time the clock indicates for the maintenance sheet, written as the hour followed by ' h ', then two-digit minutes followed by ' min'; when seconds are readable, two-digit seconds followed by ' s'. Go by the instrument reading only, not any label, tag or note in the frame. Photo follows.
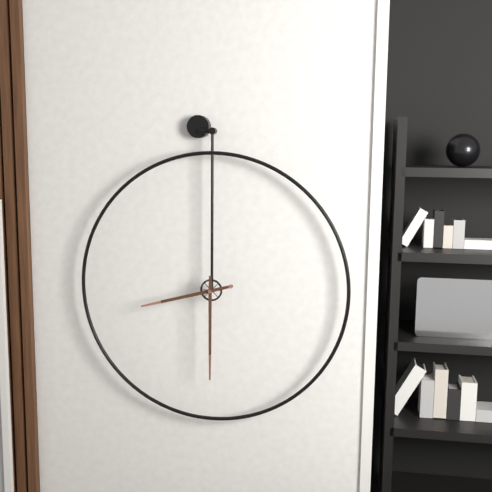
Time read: 8 h 30 min
